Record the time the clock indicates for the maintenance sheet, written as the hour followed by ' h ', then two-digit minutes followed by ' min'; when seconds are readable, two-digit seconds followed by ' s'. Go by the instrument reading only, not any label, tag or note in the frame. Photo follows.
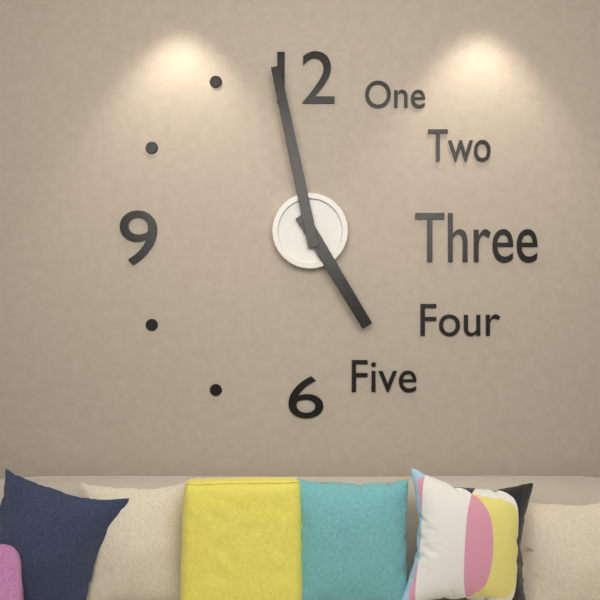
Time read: 4 h 58 min
